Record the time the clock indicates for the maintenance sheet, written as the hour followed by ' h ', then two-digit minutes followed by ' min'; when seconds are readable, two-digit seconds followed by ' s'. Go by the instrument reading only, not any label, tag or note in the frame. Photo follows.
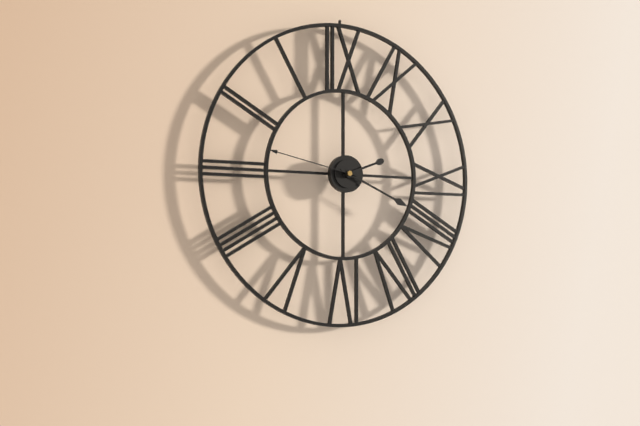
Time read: 2 h 19 min 47 s
